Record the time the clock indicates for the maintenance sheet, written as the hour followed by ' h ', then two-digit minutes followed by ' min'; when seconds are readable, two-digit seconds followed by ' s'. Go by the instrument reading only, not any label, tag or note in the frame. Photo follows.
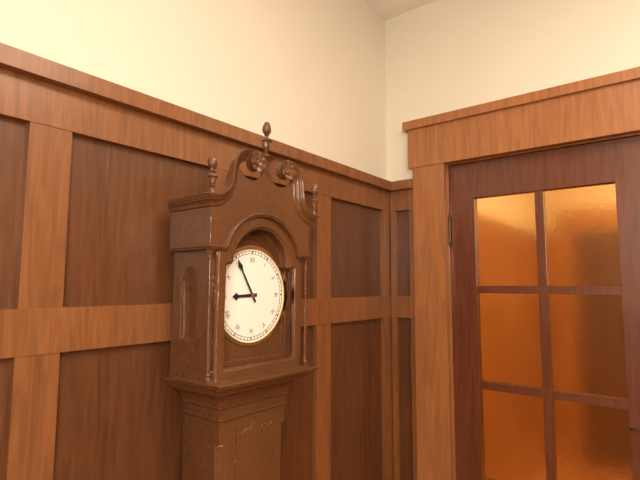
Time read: 8 h 55 min
